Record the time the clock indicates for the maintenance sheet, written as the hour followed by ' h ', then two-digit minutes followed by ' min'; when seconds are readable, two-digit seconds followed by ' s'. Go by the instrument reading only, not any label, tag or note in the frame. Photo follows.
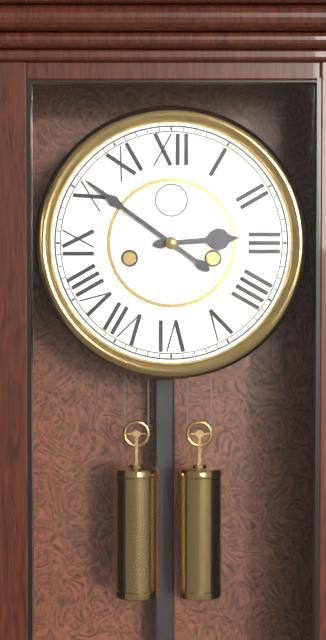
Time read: 2 h 51 min
